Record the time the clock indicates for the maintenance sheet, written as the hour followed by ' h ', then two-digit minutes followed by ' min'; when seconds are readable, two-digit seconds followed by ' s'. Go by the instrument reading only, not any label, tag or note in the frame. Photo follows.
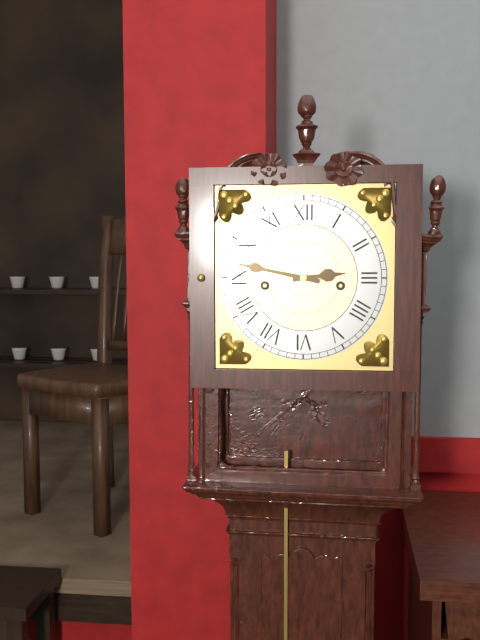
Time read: 2 h 47 min
